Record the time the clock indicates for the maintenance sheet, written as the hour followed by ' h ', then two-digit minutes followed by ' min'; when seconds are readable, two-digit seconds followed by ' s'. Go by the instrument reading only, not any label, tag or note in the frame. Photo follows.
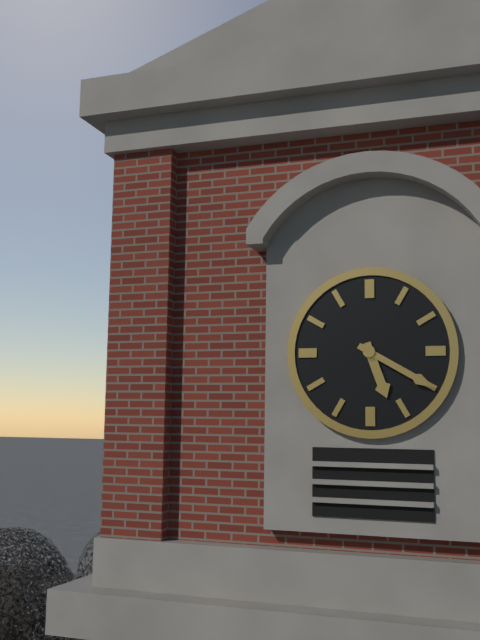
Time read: 5 h 20 min
